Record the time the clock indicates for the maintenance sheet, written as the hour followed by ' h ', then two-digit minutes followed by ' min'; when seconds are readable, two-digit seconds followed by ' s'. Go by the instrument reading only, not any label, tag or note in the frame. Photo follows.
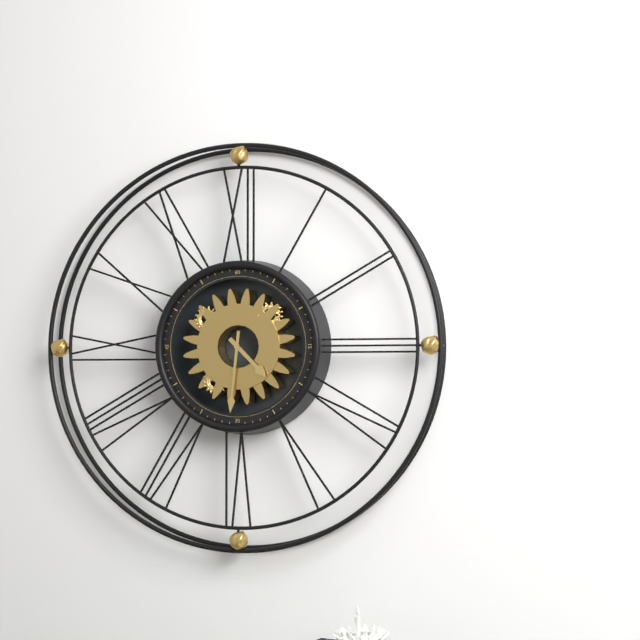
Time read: 4 h 31 min
